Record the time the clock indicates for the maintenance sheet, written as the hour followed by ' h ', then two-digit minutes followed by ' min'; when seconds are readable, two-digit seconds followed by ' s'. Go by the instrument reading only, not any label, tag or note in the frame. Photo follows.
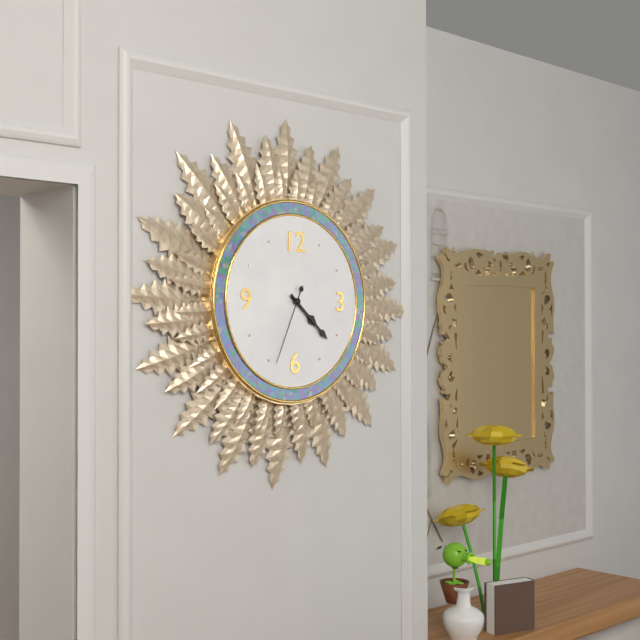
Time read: 4 h 22 min 34 s
